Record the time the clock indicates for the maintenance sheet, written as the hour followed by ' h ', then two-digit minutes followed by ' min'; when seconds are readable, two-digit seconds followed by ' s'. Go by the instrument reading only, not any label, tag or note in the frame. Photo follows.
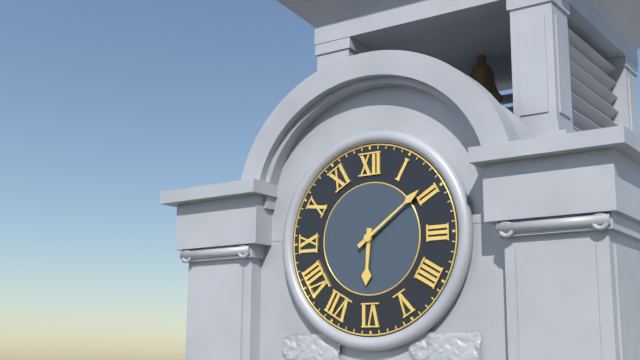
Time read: 6 h 09 min
